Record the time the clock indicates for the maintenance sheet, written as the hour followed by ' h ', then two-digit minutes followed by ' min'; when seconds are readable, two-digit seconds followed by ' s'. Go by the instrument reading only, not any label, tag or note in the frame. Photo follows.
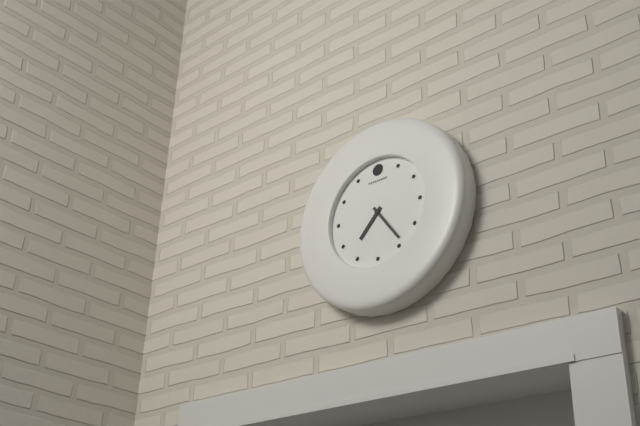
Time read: 7 h 24 min
